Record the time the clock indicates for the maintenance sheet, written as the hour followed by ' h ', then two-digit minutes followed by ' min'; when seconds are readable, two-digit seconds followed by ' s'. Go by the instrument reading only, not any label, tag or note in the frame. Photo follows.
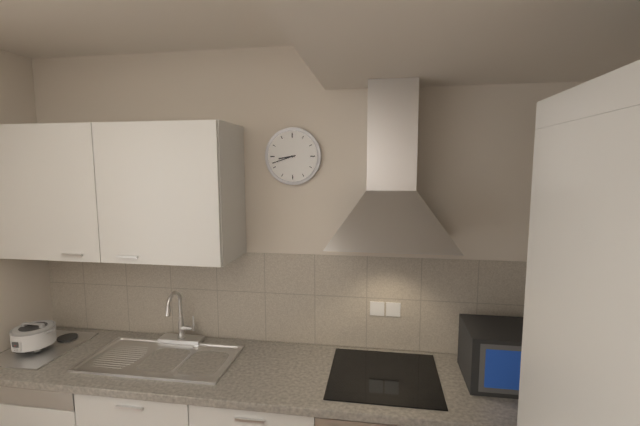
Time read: 8 h 42 min
